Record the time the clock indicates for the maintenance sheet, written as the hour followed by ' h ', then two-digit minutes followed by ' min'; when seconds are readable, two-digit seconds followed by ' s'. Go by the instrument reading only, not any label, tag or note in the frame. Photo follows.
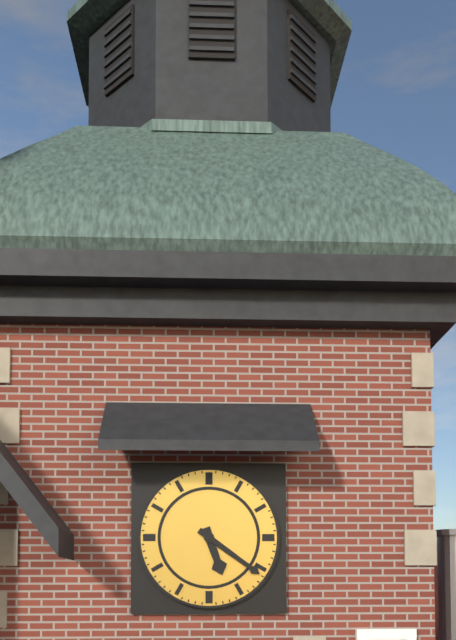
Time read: 5 h 21 min
